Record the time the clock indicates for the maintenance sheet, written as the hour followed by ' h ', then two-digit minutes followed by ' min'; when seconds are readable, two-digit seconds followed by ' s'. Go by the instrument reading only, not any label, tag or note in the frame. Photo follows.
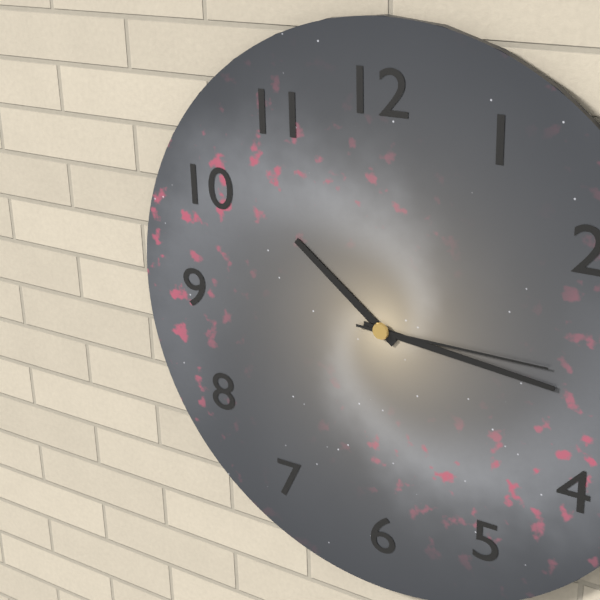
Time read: 10 h 16 min 15 s
